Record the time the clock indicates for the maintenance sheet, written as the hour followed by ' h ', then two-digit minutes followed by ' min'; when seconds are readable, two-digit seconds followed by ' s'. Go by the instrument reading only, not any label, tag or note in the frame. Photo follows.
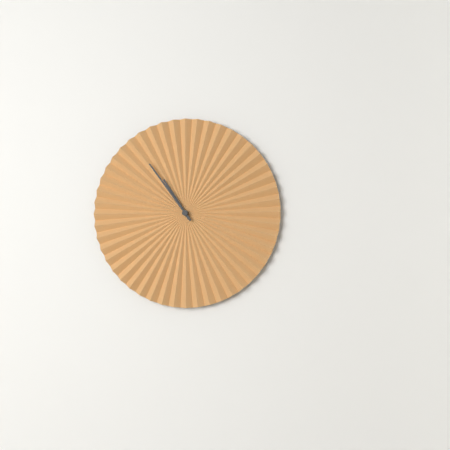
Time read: 10 h 54 min
